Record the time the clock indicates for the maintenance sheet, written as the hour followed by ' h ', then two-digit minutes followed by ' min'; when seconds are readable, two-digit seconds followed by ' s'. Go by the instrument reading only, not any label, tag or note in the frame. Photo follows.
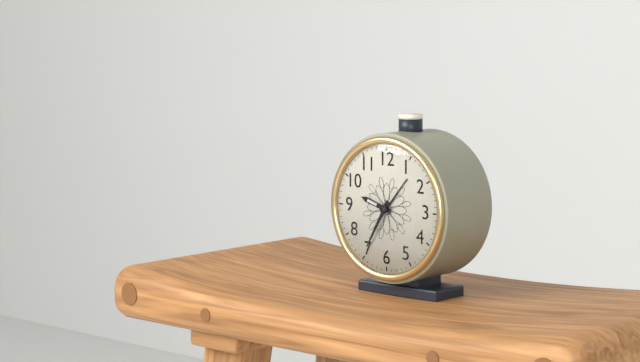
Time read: 9 h 35 min
